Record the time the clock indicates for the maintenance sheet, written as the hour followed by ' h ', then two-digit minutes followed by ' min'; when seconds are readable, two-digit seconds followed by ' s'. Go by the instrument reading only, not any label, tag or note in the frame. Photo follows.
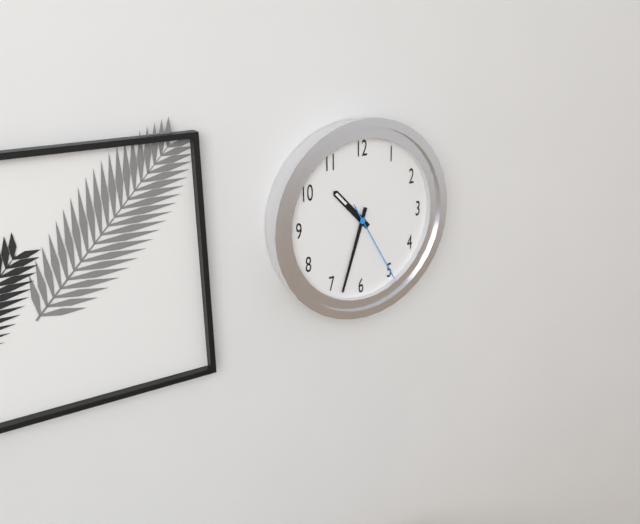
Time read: 10 h 33 min 25 s
